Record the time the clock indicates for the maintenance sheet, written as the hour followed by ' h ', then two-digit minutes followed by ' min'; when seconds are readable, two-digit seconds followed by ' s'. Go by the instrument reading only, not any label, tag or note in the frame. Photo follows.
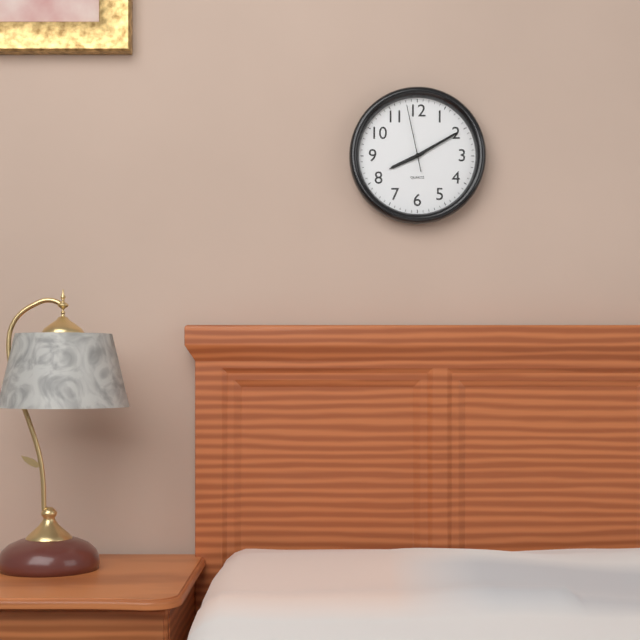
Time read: 8 h 10 min 58 s
